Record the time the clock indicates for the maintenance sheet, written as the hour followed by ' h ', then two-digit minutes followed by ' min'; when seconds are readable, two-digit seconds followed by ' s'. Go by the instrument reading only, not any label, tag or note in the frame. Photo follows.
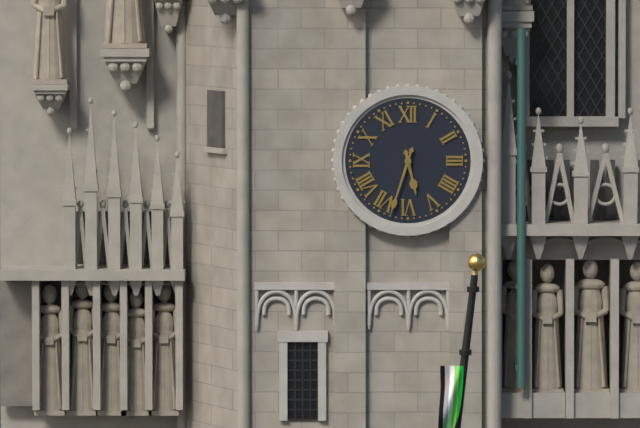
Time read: 5 h 33 min
